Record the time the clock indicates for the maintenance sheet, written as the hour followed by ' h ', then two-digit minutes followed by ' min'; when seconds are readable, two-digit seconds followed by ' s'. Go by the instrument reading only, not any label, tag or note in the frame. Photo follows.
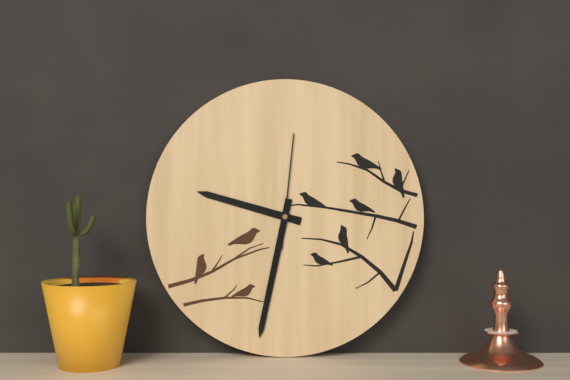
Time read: 9 h 32 min 01 s
